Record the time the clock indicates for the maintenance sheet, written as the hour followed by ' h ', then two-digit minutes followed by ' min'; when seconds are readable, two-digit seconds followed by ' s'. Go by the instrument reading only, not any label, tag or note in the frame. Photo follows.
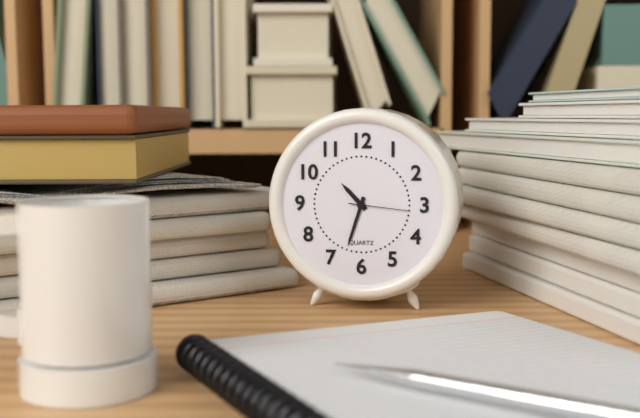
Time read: 10 h 33 min 16 s
